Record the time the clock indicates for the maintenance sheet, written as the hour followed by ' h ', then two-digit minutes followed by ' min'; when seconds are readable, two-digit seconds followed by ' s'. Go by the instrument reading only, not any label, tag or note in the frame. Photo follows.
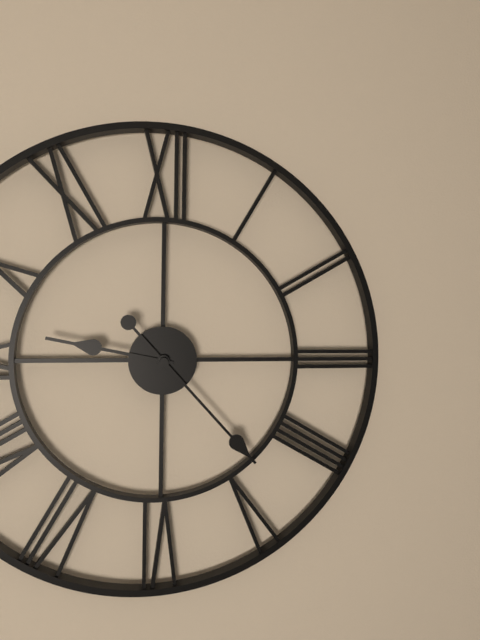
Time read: 9 h 23 min
